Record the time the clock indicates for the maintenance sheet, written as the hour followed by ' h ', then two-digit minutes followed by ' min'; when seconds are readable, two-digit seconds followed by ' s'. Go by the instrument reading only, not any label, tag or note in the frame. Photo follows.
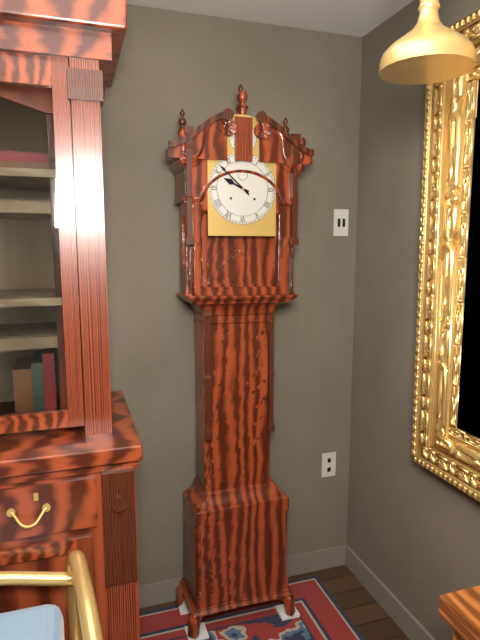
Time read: 9 h 52 min
